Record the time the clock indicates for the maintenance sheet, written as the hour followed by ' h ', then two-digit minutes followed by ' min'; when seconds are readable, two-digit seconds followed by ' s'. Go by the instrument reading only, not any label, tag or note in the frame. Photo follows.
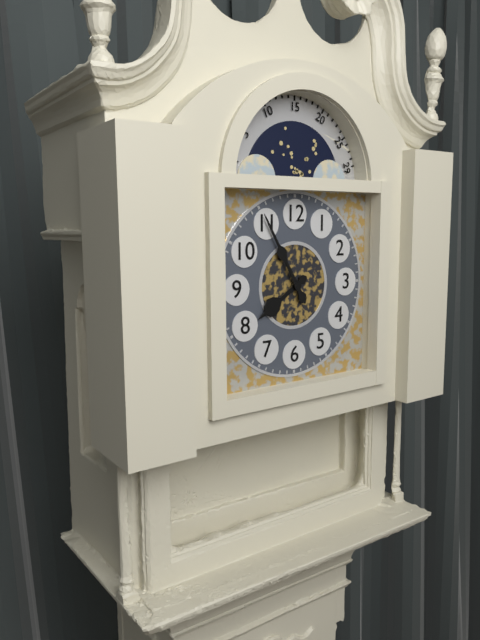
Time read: 7 h 55 min
